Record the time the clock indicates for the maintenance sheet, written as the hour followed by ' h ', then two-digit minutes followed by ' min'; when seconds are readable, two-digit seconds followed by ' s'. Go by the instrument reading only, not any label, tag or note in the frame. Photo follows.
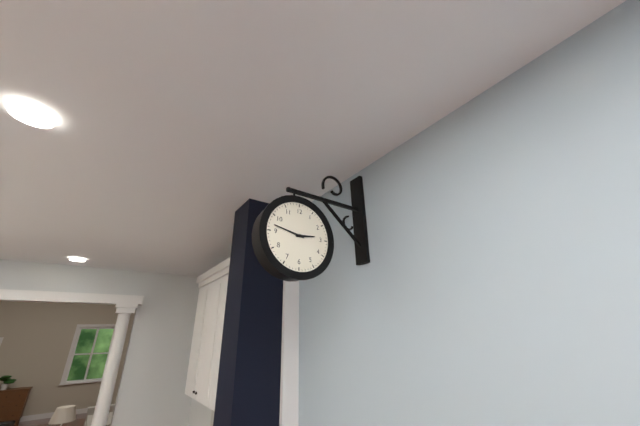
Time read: 2 h 47 min
